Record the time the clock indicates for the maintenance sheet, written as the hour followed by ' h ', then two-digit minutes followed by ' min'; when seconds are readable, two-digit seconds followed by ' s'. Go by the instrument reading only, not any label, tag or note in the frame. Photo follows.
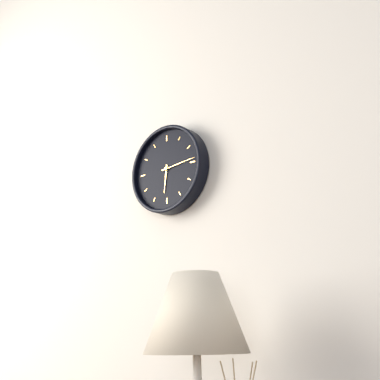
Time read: 6 h 14 min
